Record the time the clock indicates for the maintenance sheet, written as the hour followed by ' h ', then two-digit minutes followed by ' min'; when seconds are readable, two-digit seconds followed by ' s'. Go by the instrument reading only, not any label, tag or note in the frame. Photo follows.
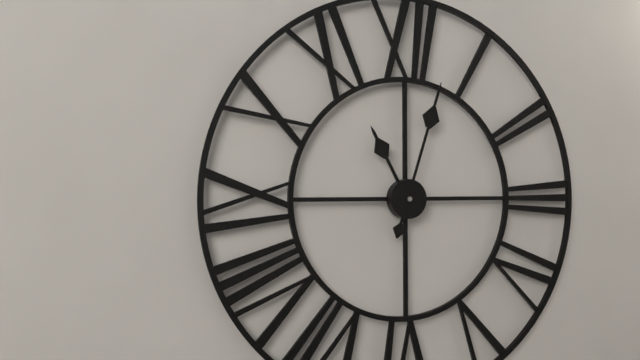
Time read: 11 h 03 min
